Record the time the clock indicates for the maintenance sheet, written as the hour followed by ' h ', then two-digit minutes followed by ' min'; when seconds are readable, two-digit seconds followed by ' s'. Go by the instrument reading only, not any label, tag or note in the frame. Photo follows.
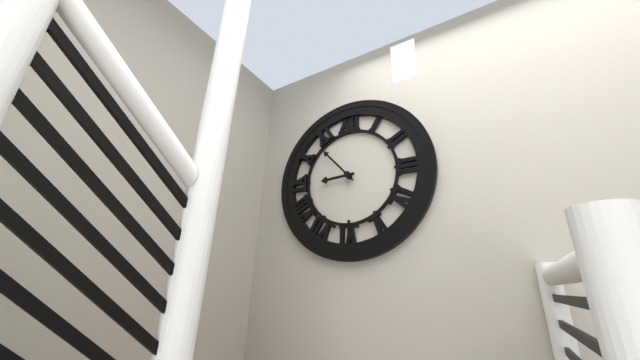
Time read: 8 h 53 min
